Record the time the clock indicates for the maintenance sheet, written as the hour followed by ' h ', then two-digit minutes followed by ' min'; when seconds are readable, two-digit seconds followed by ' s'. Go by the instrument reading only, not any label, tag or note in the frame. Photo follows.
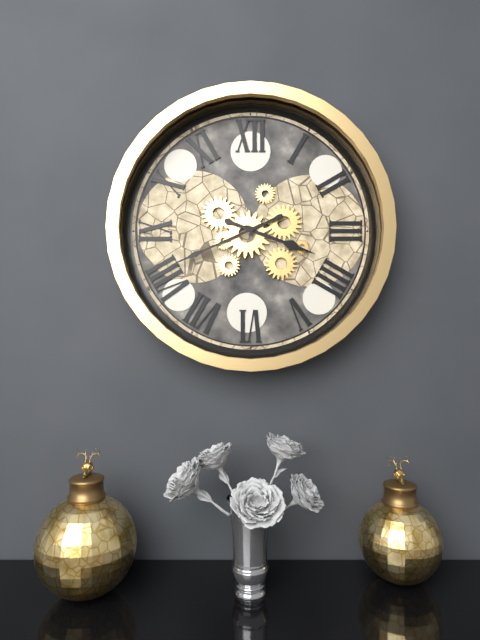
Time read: 3 h 41 min
